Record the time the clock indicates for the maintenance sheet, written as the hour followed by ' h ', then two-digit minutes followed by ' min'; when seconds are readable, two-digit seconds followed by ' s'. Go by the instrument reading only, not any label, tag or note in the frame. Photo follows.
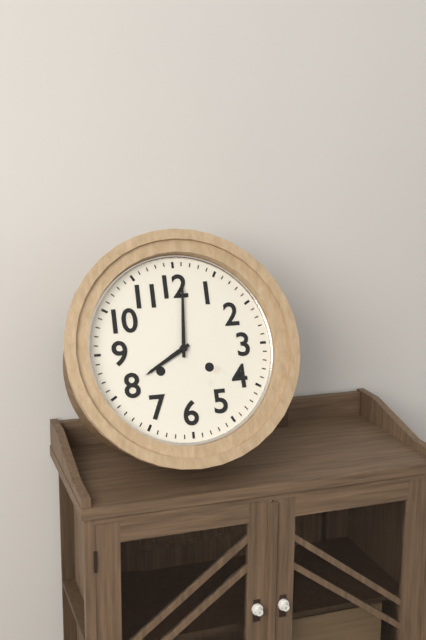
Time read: 8 h 01 min
